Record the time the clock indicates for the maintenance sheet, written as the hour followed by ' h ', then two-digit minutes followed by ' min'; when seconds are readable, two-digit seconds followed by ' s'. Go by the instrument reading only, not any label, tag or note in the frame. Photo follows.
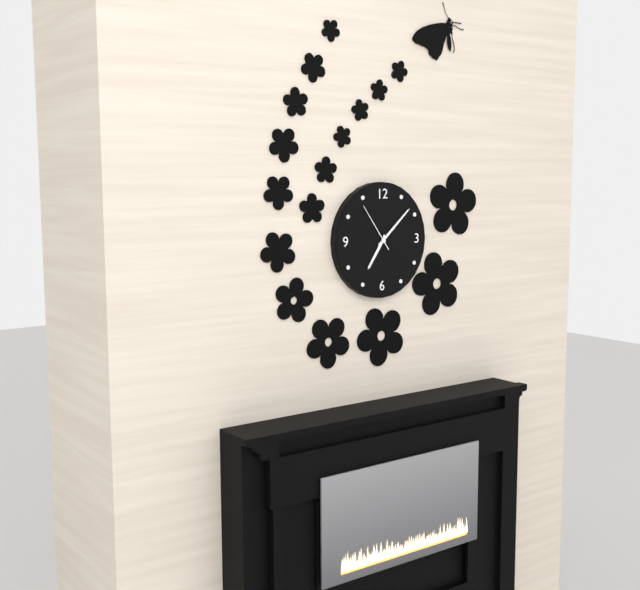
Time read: 7 h 08 min 54 s
